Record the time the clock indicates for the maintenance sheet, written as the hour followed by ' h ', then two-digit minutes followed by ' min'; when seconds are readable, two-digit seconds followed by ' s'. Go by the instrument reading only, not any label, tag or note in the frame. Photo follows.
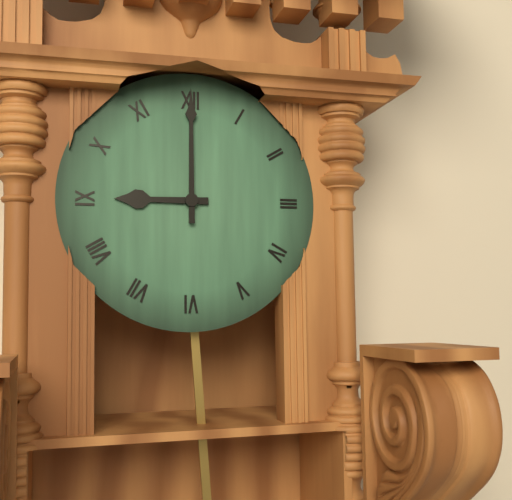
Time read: 9 h 00 min
